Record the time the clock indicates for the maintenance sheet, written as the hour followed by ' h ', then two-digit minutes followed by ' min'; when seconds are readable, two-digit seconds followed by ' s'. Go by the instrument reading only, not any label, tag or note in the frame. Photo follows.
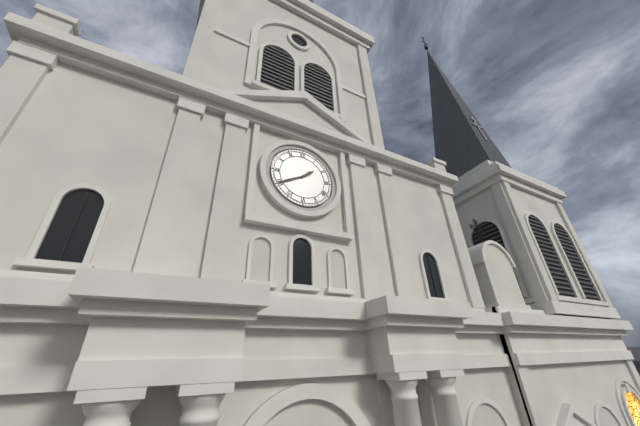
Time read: 1 h 40 min
